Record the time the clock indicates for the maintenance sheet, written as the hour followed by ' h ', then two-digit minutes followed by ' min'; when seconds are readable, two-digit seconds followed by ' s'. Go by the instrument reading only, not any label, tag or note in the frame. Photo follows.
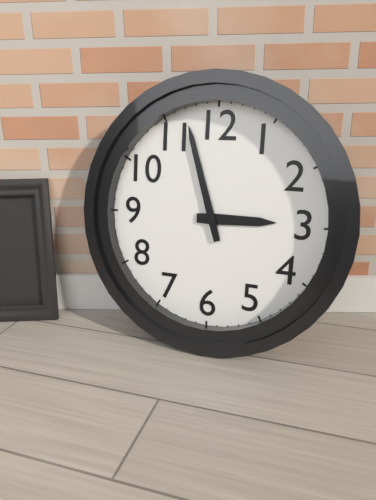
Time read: 2 h 57 min
